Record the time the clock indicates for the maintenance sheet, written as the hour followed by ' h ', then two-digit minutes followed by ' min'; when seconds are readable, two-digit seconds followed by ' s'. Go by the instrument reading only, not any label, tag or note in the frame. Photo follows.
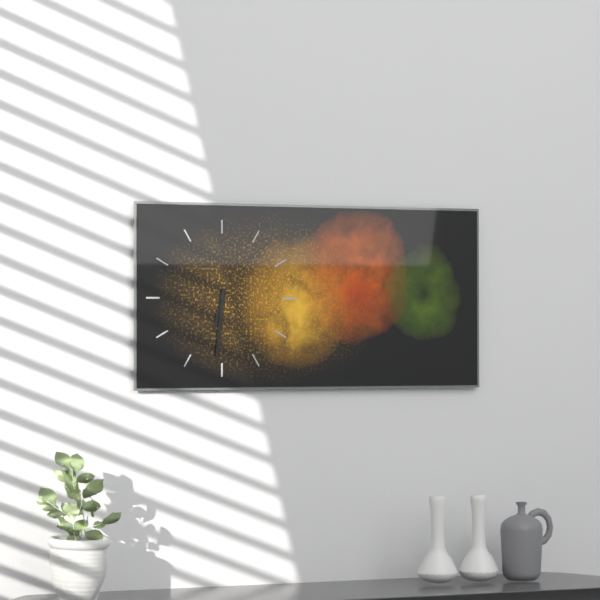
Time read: 6 h 31 min
